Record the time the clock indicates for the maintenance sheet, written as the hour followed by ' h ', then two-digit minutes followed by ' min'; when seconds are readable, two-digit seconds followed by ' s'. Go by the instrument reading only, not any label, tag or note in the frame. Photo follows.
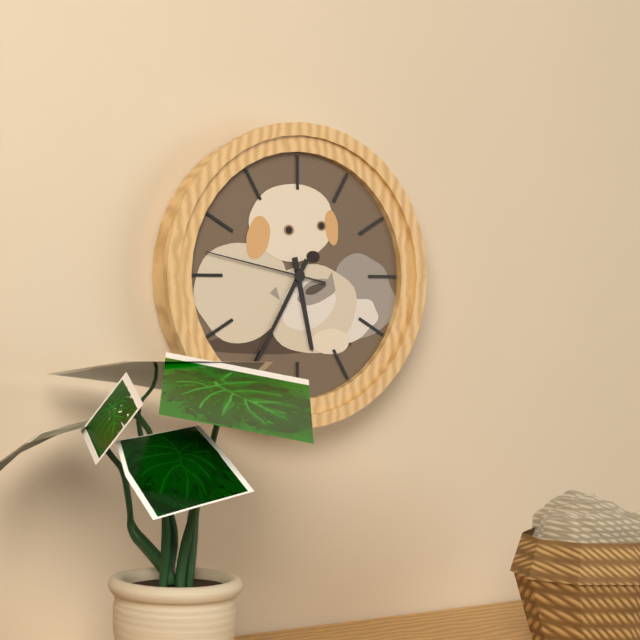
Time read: 5 h 35 min 47 s
